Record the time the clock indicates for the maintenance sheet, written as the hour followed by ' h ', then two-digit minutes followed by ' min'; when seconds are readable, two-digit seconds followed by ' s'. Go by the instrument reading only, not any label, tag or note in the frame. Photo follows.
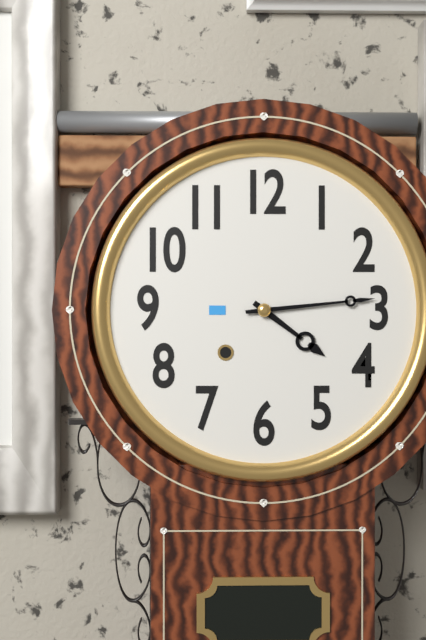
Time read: 4 h 14 min
